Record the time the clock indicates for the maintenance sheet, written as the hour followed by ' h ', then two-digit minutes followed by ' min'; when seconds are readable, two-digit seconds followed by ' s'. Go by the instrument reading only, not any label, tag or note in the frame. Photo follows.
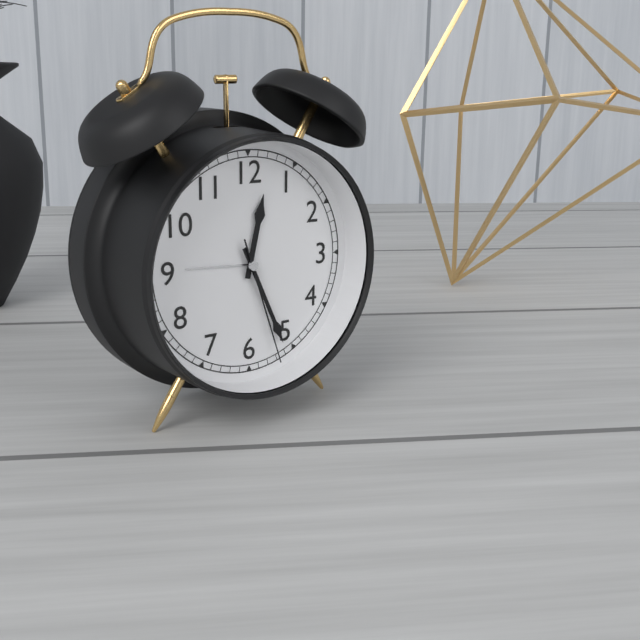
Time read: 12 h 26 min 27 s
